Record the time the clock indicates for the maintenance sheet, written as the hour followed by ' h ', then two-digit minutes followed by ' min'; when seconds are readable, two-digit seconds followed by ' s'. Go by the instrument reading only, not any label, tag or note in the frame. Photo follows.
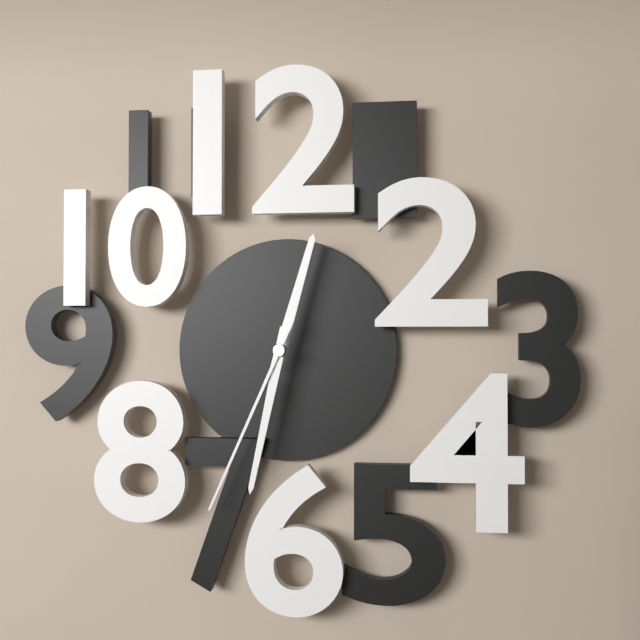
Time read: 12 h 32 min 34 s
